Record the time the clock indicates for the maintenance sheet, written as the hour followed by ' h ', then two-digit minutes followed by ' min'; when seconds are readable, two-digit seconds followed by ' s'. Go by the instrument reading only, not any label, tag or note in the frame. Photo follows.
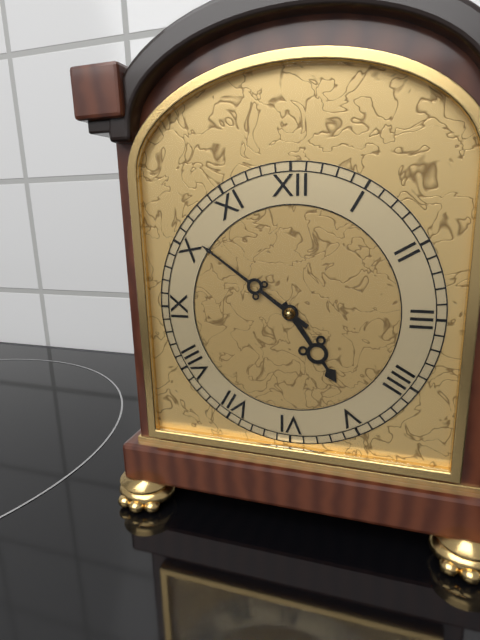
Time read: 4 h 51 min
